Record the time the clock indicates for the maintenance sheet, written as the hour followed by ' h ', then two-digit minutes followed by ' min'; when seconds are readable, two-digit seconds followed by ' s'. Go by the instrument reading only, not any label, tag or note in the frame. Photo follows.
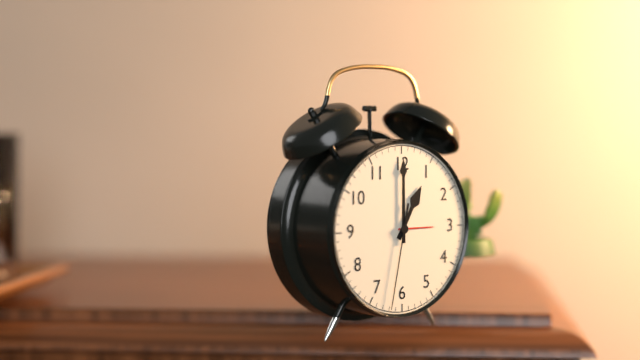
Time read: 1 h 00 min 32 s
